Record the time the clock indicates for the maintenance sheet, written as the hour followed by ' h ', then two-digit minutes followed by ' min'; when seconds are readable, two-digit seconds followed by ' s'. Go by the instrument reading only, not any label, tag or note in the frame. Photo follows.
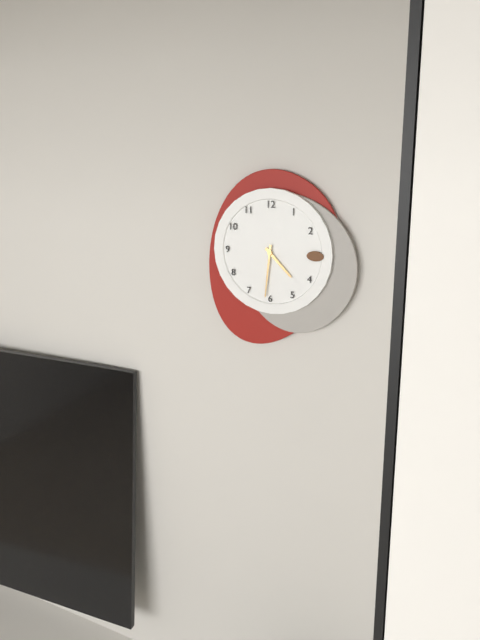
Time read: 4 h 31 min
